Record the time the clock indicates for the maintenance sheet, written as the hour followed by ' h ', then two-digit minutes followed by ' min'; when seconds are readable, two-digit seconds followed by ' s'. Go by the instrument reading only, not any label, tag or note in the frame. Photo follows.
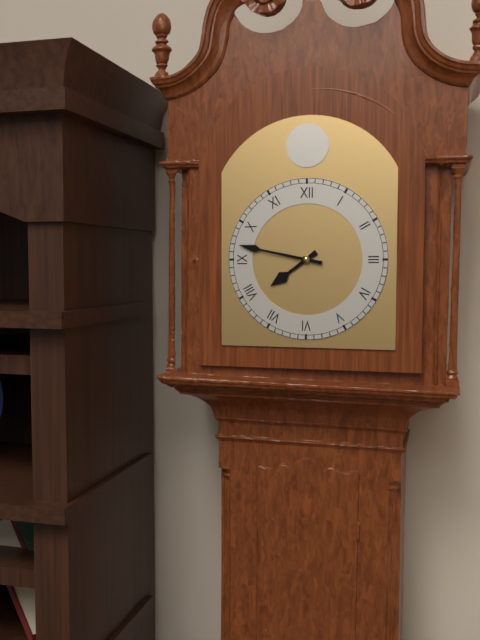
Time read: 7 h 47 min
